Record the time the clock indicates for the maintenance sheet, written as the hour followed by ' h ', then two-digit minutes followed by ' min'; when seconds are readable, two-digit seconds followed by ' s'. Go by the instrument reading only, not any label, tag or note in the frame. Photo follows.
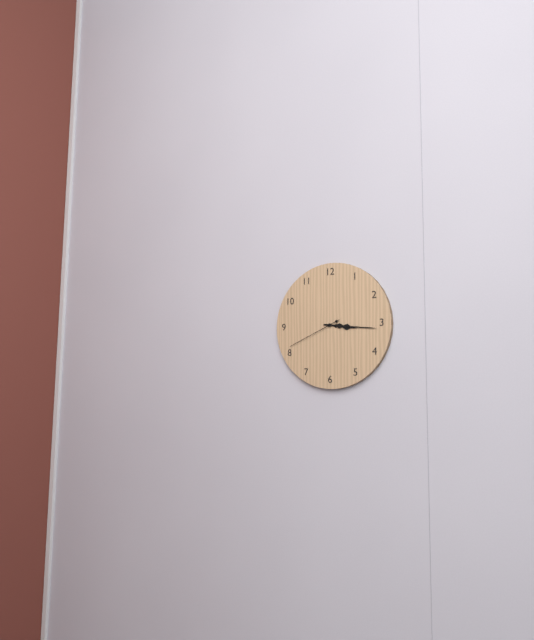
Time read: 3 h 16 min 41 s
